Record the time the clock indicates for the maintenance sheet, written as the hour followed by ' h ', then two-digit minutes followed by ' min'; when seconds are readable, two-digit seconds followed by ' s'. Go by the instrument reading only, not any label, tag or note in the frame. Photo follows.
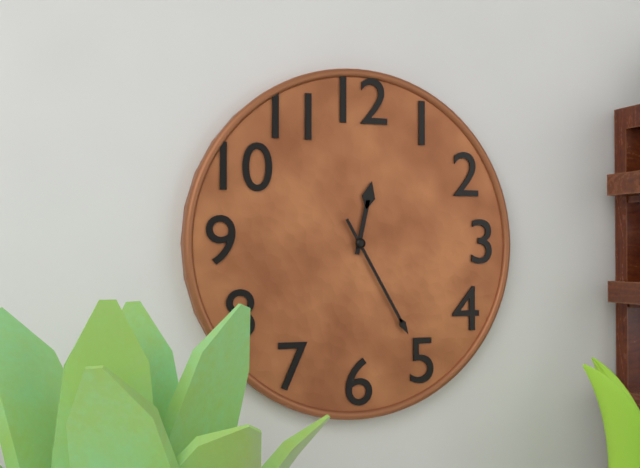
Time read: 12 h 25 min
